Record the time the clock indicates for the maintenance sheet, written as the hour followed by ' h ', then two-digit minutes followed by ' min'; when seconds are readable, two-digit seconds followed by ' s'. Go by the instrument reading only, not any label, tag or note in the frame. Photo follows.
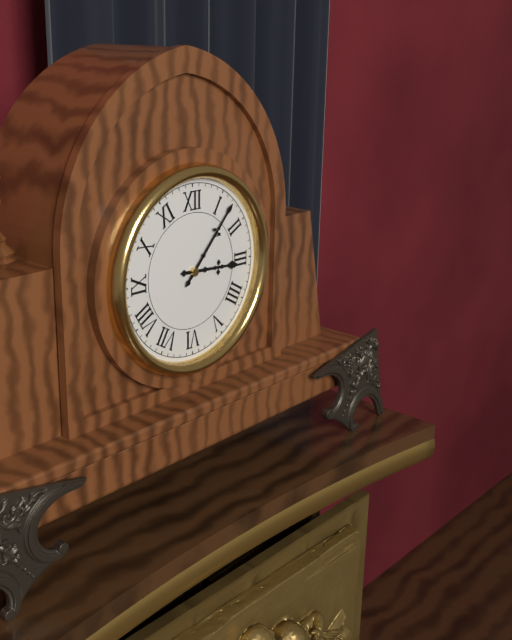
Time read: 3 h 07 min
